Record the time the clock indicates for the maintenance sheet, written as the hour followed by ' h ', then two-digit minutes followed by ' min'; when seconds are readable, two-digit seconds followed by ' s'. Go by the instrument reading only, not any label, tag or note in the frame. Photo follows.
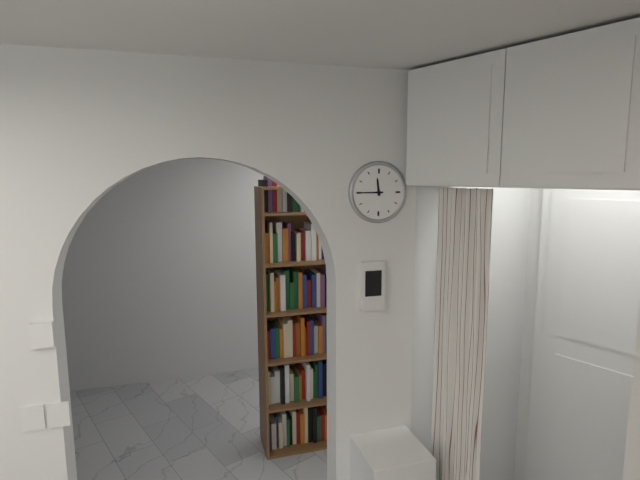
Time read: 11 h 45 min
